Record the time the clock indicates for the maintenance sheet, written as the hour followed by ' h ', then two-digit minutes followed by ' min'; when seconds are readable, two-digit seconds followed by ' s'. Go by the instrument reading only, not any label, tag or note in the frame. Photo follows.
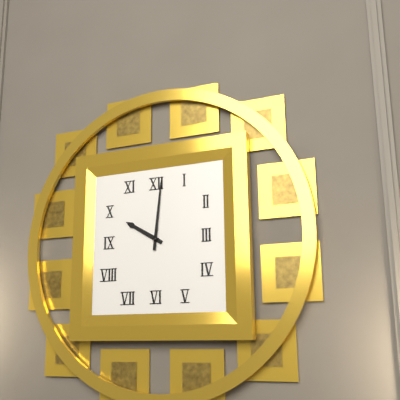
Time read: 10 h 01 min
